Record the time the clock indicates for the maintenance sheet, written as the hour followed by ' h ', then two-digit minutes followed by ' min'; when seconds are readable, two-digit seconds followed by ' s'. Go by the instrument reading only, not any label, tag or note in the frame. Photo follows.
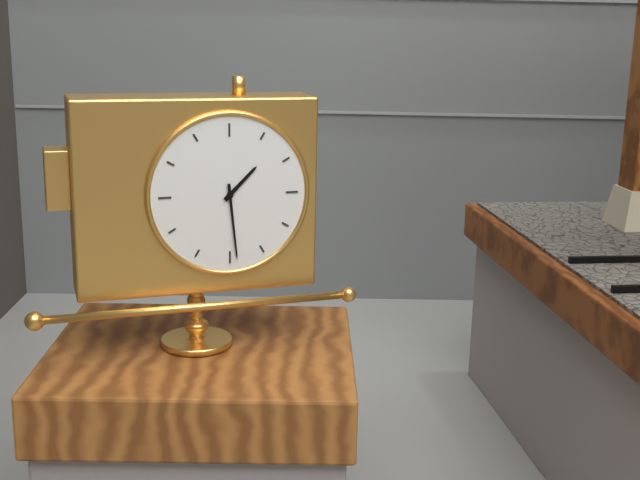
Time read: 1 h 29 min
